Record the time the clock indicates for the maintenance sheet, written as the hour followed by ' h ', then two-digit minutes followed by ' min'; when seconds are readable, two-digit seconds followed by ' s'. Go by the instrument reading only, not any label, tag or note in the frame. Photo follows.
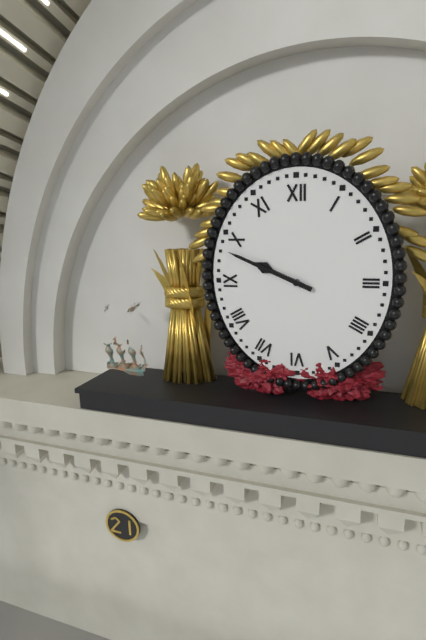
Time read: 9 h 49 min
